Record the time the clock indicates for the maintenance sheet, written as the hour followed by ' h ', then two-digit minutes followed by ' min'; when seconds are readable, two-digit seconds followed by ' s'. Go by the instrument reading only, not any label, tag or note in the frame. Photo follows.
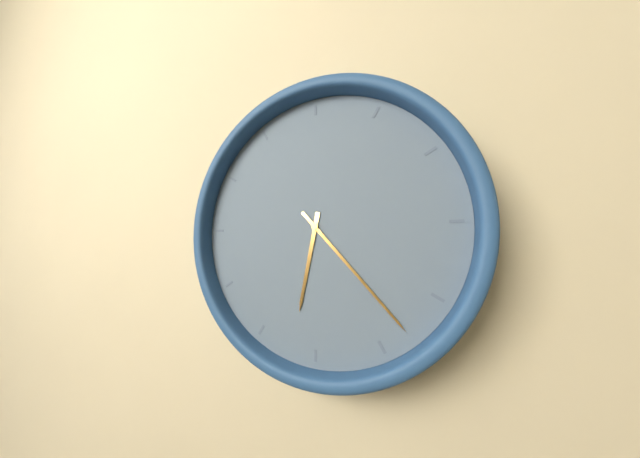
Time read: 6 h 23 min
